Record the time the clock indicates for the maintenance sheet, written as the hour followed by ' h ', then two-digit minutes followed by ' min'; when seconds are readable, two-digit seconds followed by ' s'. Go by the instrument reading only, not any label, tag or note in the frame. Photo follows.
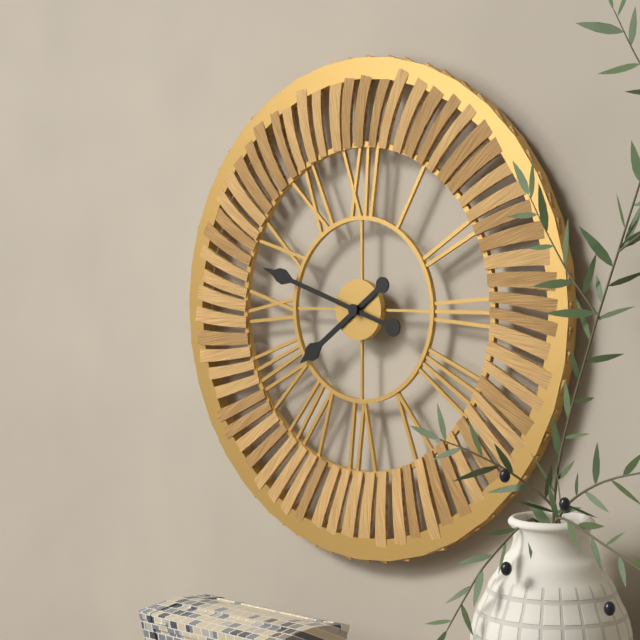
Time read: 7 h 48 min
